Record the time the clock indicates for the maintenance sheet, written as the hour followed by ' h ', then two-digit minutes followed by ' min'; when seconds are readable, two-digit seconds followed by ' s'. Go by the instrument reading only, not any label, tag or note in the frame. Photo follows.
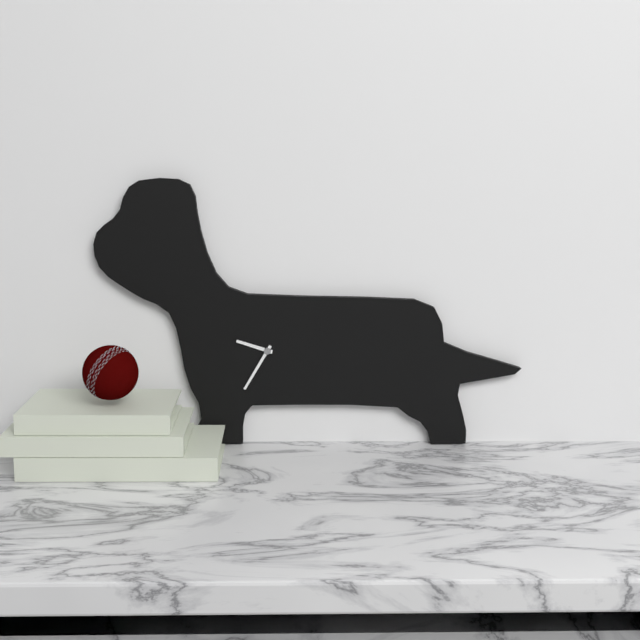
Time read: 9 h 35 min
